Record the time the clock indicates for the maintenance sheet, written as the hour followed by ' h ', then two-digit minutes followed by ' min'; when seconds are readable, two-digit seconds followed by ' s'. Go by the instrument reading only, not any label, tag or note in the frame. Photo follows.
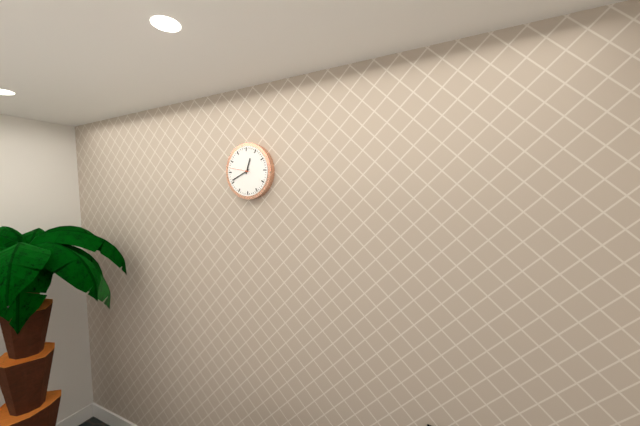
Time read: 12 h 41 min
